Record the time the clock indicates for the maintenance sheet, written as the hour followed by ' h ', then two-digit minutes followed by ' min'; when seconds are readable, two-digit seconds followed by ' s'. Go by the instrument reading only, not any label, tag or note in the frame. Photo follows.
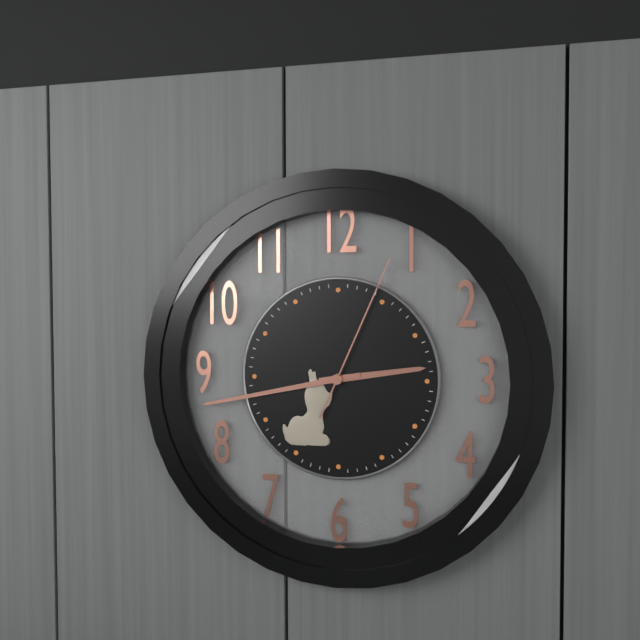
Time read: 2 h 43 min 04 s
